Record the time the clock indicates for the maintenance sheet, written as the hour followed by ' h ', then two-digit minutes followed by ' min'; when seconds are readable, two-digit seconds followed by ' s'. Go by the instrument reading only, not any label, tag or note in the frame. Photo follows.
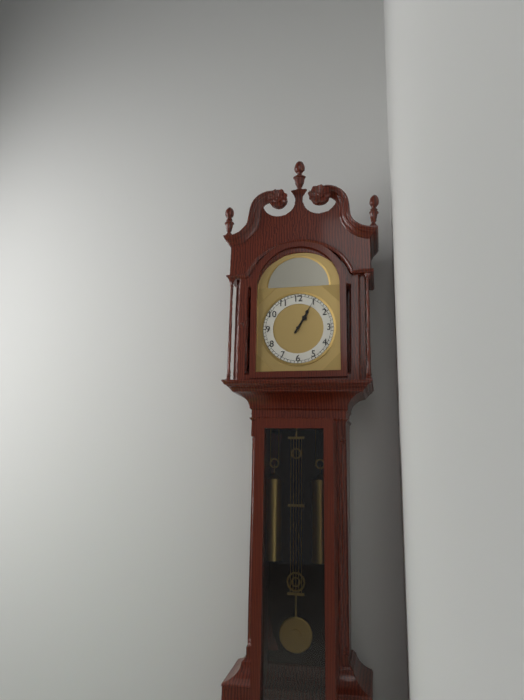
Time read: 1 h 05 min
